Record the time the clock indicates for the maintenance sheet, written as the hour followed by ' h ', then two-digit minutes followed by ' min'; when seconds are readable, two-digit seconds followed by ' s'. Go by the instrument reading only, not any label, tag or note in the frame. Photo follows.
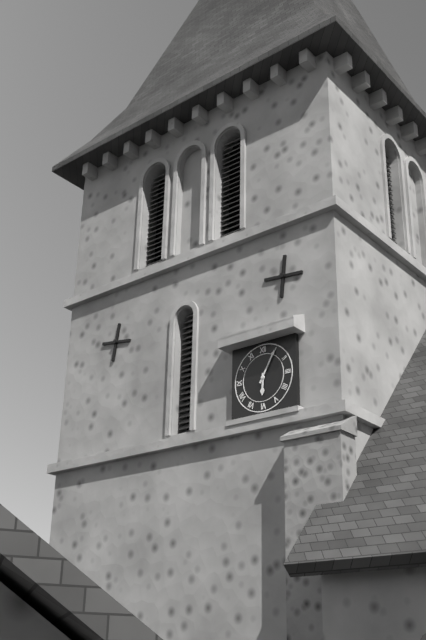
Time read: 6 h 05 min
